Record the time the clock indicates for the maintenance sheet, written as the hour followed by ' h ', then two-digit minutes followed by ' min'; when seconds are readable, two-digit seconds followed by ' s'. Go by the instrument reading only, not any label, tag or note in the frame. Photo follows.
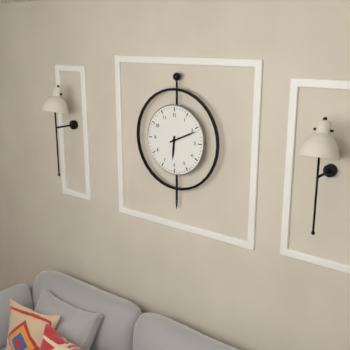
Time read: 6 h 11 min
